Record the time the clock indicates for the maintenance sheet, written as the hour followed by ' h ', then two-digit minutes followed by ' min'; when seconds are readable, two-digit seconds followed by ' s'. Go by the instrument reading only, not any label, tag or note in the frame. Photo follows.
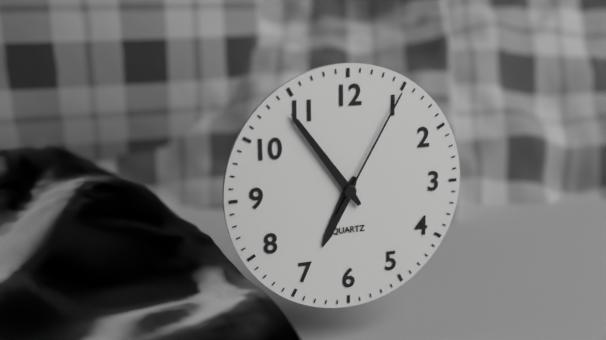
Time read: 6 h 54 min 05 s
